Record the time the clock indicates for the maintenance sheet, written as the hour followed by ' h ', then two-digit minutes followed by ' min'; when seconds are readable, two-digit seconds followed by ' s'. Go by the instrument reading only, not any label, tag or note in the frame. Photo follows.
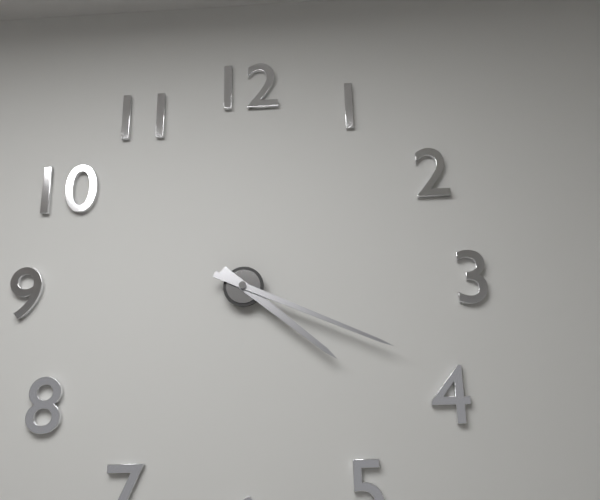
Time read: 4 h 19 min
